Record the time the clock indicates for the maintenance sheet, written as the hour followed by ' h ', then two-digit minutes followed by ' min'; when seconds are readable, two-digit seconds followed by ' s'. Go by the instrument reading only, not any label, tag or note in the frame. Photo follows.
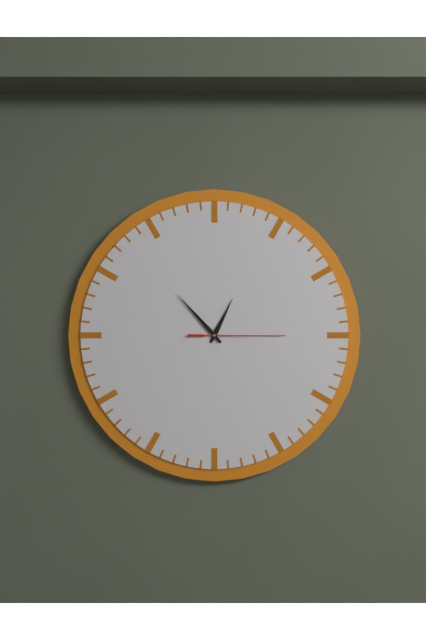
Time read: 12 h 53 min 15 s
